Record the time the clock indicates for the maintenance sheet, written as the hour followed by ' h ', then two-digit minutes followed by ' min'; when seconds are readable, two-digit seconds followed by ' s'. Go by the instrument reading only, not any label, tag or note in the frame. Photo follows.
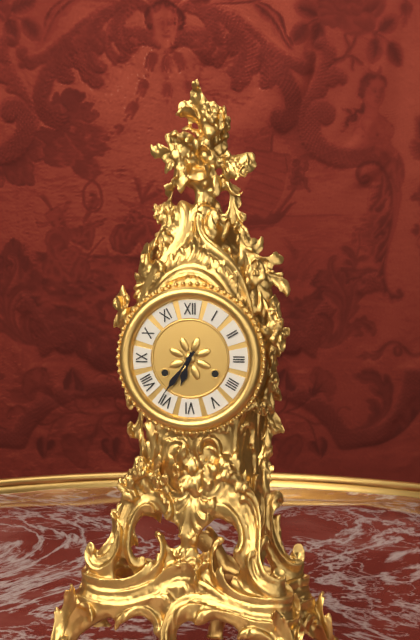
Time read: 6 h 36 min
